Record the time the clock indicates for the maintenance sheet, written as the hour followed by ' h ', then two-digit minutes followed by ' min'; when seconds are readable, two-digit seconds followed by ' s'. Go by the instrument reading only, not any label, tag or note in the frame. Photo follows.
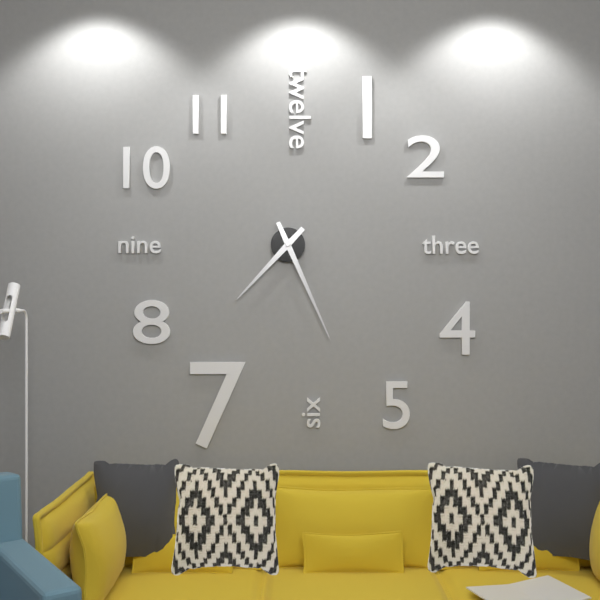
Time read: 7 h 26 min
